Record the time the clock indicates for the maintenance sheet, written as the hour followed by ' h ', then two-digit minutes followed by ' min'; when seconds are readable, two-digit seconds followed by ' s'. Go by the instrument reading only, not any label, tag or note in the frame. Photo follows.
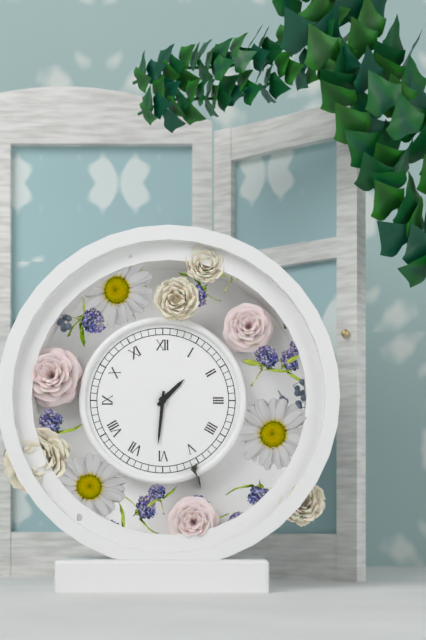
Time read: 1 h 31 min
